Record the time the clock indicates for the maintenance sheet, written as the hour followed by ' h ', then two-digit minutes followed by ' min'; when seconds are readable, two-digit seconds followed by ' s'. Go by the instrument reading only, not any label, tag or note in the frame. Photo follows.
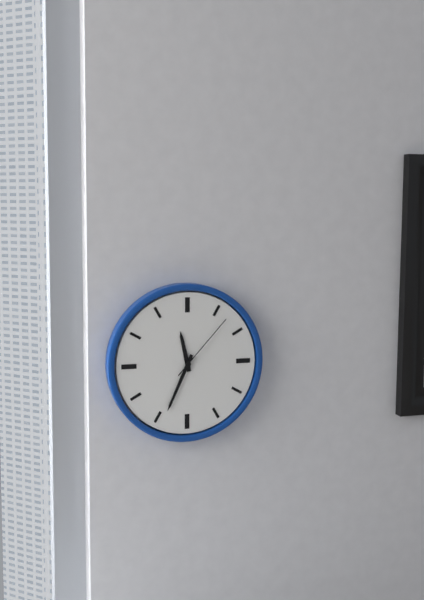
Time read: 11 h 34 min 07 s
